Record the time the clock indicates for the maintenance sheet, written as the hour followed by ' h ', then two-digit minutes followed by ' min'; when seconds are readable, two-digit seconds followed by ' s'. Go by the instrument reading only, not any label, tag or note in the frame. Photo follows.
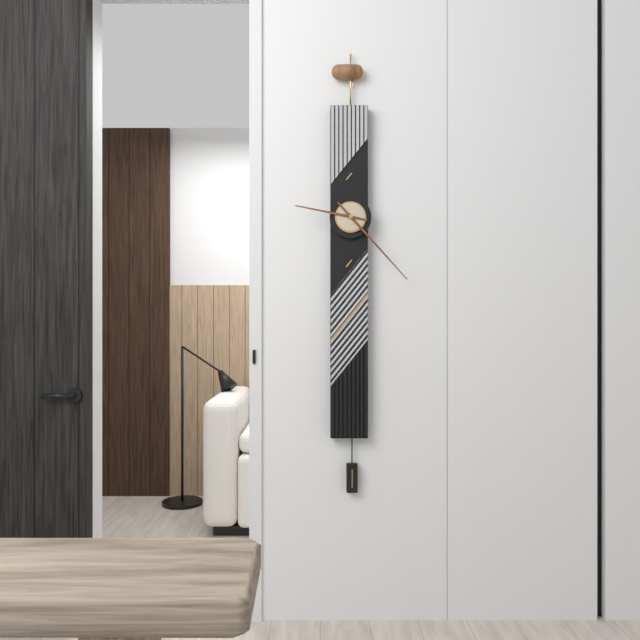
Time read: 9 h 23 min
